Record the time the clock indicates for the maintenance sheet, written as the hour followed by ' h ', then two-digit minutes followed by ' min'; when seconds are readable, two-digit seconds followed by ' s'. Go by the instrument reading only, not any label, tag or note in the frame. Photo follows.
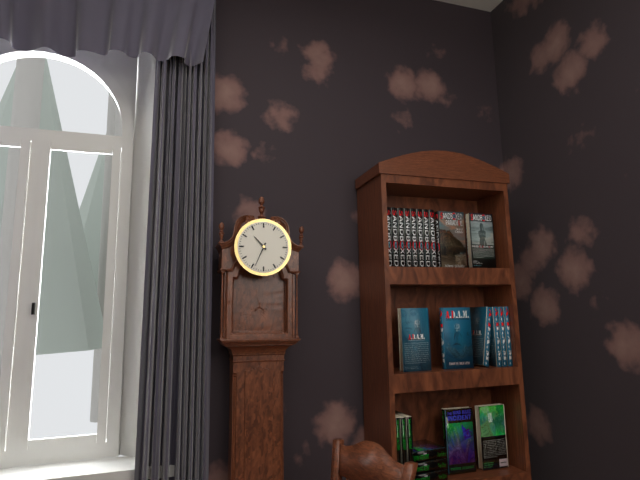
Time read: 10 h 34 min
